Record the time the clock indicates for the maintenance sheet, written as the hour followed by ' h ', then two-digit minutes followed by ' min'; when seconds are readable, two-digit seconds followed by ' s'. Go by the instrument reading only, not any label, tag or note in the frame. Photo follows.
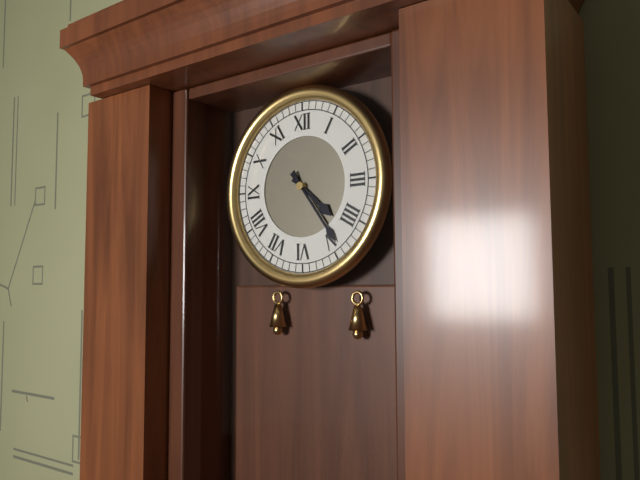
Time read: 4 h 24 min
